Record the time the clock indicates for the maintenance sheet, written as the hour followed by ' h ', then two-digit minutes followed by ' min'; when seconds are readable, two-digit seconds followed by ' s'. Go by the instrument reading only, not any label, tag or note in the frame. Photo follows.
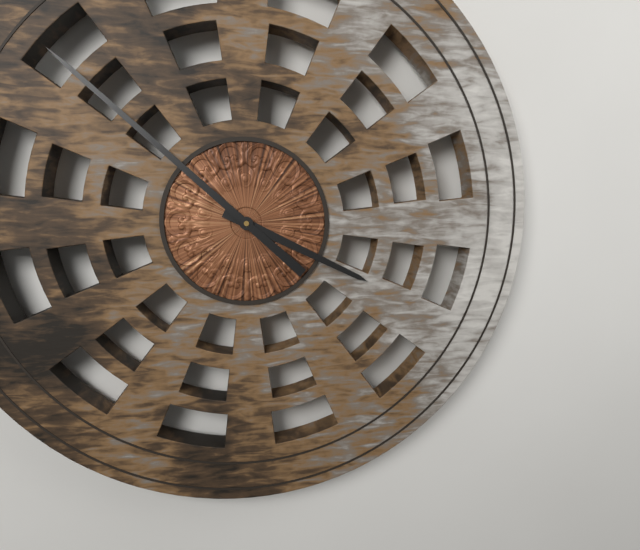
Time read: 3 h 52 min
